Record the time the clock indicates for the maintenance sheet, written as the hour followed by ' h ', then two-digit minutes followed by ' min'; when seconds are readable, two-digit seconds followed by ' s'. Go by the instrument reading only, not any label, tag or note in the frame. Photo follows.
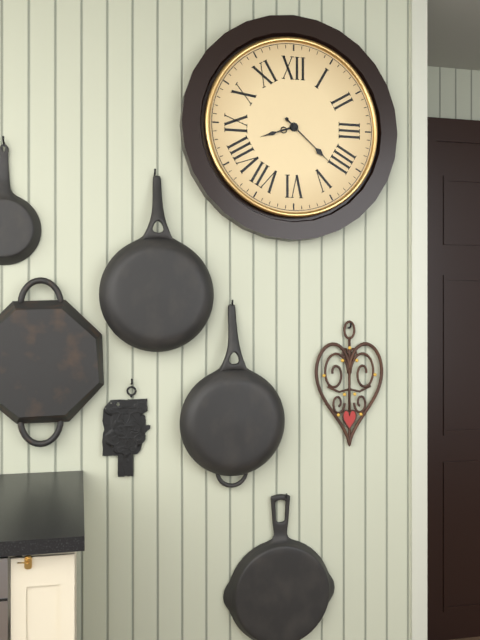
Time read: 8 h 22 min
